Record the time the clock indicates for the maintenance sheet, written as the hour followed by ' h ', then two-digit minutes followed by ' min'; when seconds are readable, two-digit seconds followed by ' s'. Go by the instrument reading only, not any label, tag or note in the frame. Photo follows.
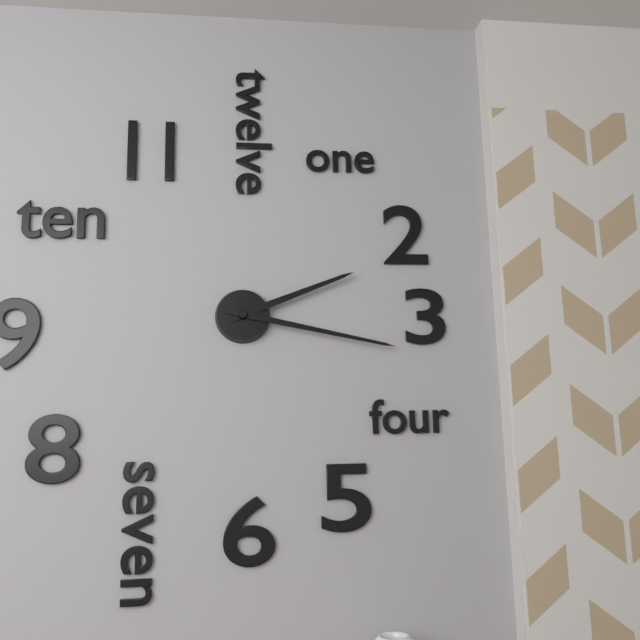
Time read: 2 h 17 min
